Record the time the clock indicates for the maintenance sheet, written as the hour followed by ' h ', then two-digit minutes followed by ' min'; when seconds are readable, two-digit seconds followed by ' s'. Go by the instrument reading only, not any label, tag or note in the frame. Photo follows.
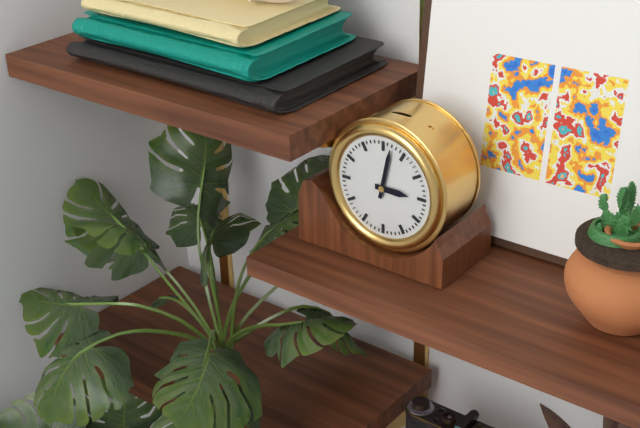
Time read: 3 h 02 min
